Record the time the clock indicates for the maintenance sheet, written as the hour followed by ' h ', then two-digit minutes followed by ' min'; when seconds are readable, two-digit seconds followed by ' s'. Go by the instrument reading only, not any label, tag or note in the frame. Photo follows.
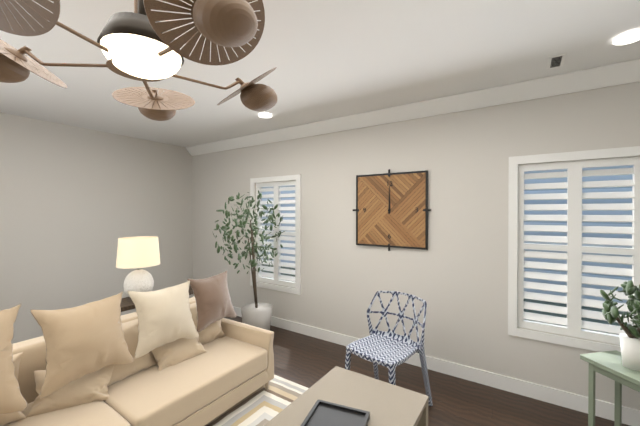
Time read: 12 h 00 min
